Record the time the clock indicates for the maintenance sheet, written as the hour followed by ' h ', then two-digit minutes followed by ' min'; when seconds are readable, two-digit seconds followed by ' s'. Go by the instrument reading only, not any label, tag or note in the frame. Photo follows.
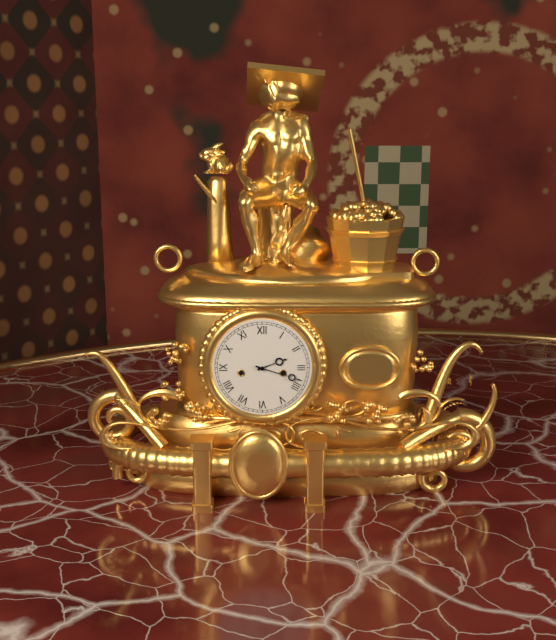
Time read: 2 h 18 min
